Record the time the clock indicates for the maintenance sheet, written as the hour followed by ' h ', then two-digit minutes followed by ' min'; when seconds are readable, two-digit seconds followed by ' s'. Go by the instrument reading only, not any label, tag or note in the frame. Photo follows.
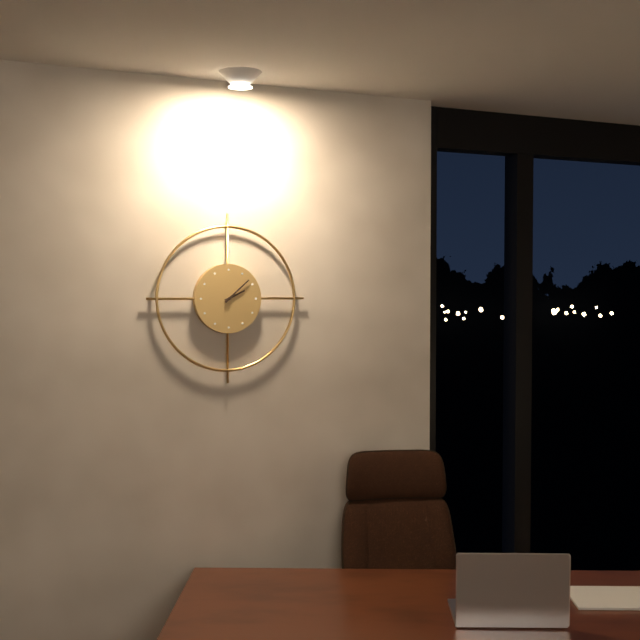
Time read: 2 h 08 min
